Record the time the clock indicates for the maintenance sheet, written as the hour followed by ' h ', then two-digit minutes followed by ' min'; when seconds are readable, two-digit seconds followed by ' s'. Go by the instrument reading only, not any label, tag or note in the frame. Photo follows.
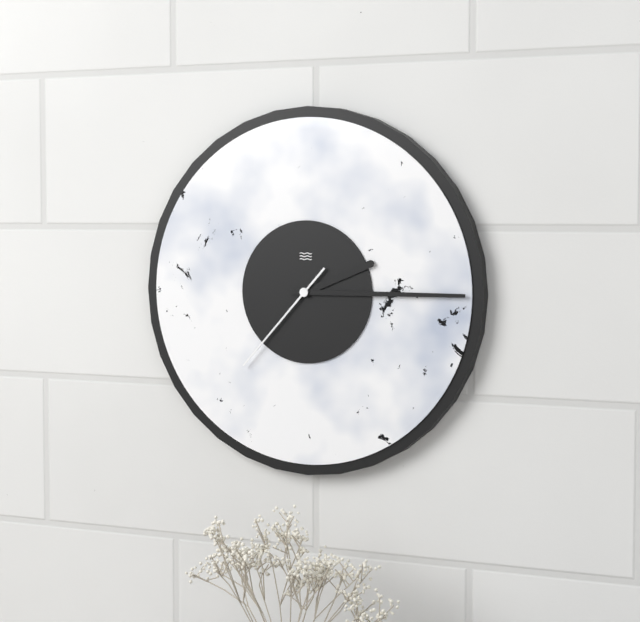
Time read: 2 h 15 min 37 s
